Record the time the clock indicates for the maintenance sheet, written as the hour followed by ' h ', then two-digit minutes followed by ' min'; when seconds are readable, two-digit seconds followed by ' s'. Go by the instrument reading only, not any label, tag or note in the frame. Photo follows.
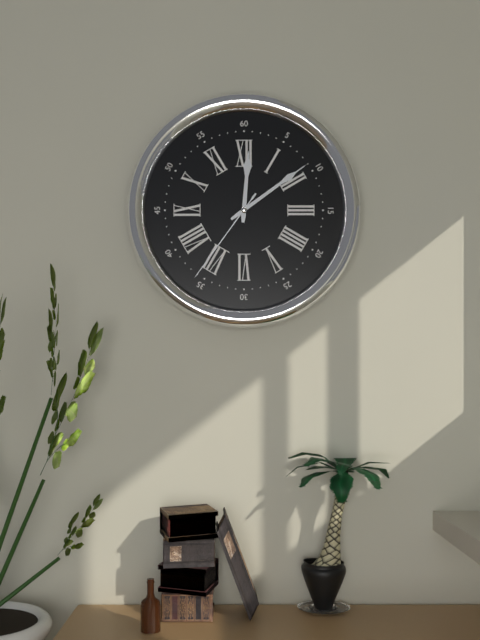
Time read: 12 h 09 min 36 s
